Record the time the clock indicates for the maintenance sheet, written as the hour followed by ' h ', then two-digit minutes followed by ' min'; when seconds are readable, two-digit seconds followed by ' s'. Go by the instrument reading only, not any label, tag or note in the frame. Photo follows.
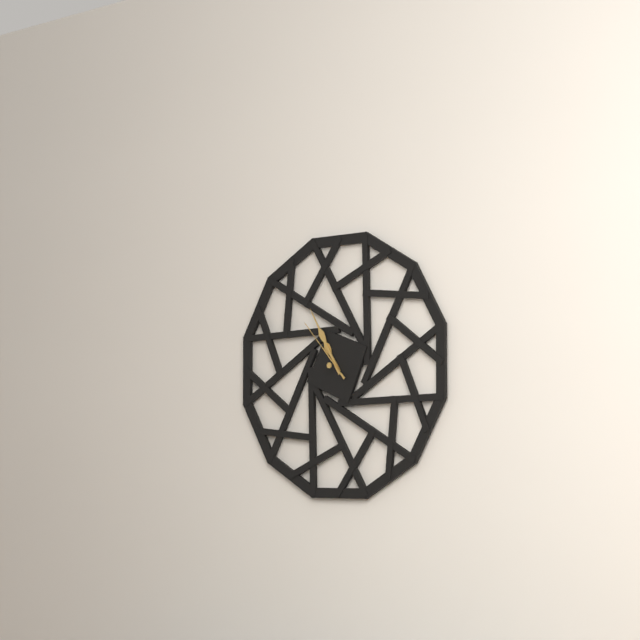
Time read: 10 h 55 min 53 s
